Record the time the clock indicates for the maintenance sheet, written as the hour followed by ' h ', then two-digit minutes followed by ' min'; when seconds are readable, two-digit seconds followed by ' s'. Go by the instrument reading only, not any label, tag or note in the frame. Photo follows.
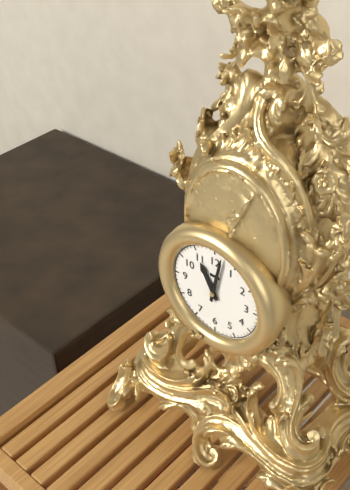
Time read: 11 h 02 min
